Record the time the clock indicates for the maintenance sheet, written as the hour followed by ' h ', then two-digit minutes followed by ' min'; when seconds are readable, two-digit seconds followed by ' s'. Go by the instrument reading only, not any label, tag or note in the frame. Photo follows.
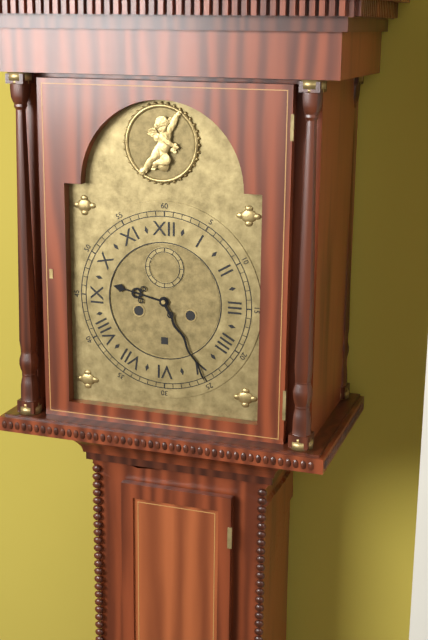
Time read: 9 h 25 min
